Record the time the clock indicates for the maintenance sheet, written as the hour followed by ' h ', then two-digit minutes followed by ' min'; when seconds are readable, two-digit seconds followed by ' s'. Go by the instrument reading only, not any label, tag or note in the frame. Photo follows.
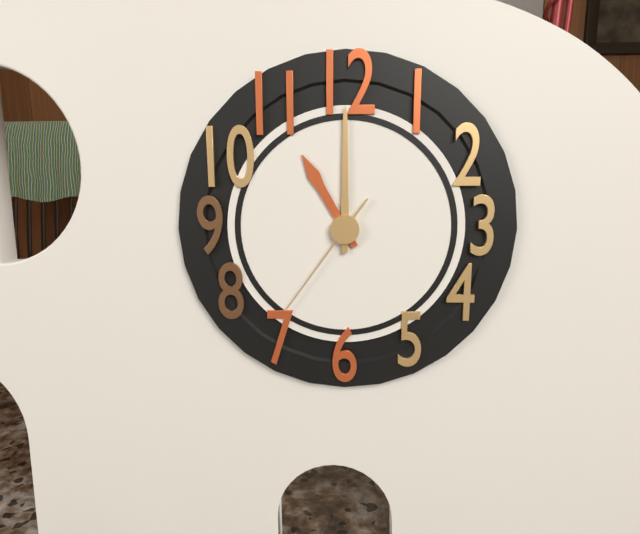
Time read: 11 h 00 min 36 s
